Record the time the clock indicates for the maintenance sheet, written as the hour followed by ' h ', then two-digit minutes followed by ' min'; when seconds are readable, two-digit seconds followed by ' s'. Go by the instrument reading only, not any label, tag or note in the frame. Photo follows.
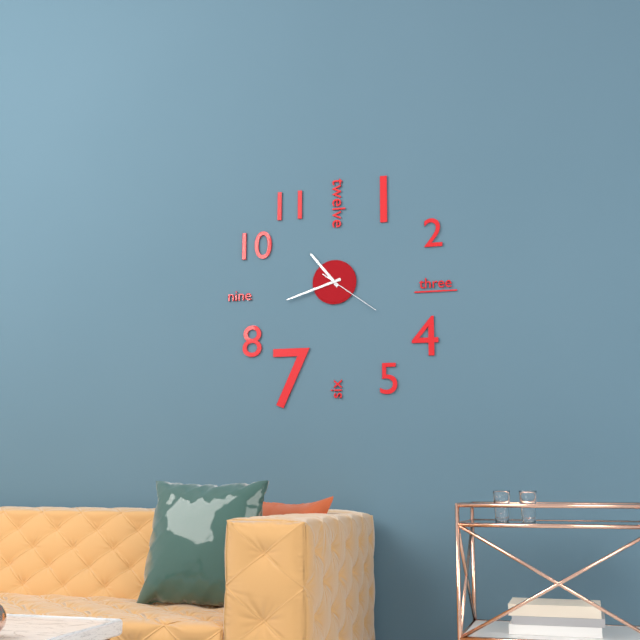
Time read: 10 h 42 min 21 s
